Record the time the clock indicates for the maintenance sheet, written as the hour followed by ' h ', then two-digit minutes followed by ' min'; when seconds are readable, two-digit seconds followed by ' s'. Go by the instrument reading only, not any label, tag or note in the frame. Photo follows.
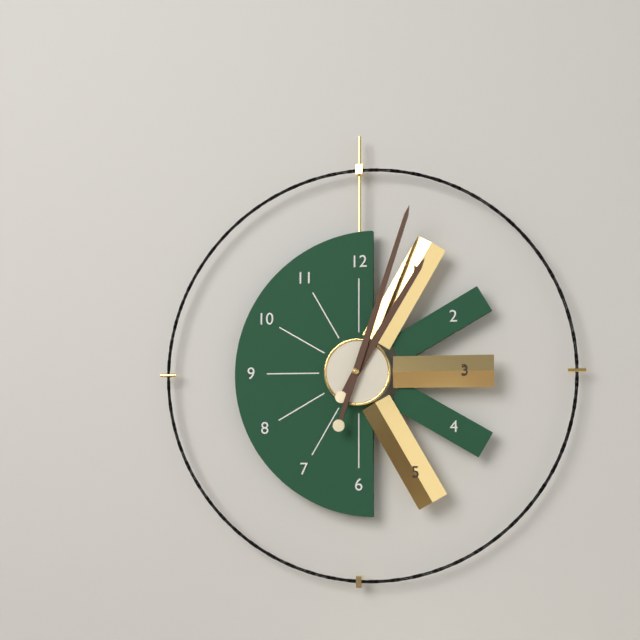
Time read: 1 h 03 min
